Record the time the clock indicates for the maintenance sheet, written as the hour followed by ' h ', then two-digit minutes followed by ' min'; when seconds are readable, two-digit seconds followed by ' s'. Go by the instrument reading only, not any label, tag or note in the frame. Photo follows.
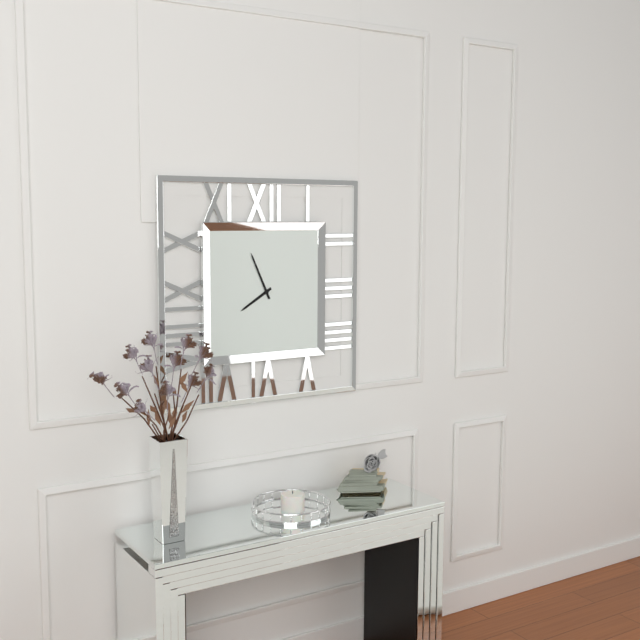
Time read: 7 h 56 min
